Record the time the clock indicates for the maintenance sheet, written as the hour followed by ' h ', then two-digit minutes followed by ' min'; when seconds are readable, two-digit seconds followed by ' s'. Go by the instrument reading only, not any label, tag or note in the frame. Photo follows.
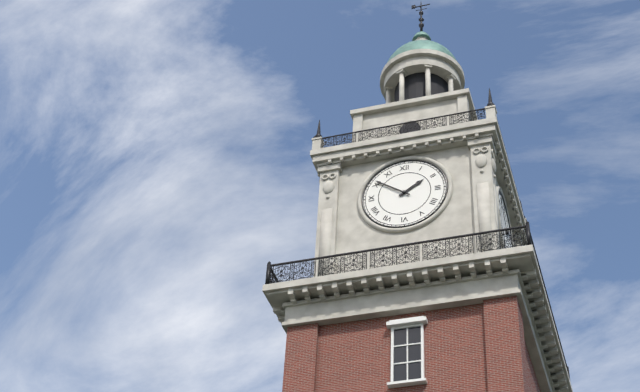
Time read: 1 h 51 min
